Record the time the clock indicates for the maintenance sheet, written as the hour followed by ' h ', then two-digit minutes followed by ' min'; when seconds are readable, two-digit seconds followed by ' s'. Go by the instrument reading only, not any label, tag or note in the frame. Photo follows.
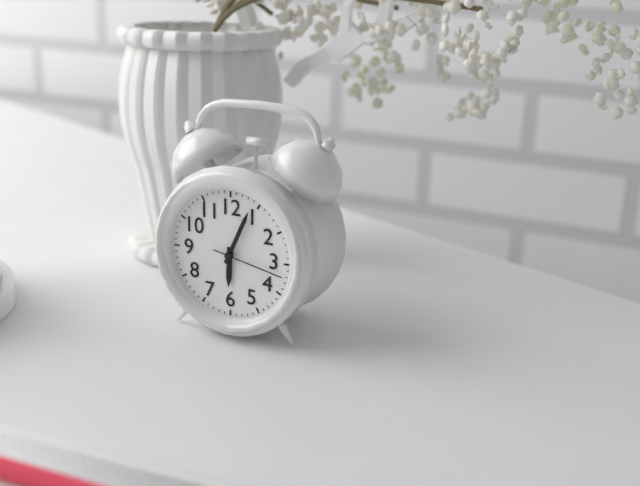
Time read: 6 h 04 min 17 s
